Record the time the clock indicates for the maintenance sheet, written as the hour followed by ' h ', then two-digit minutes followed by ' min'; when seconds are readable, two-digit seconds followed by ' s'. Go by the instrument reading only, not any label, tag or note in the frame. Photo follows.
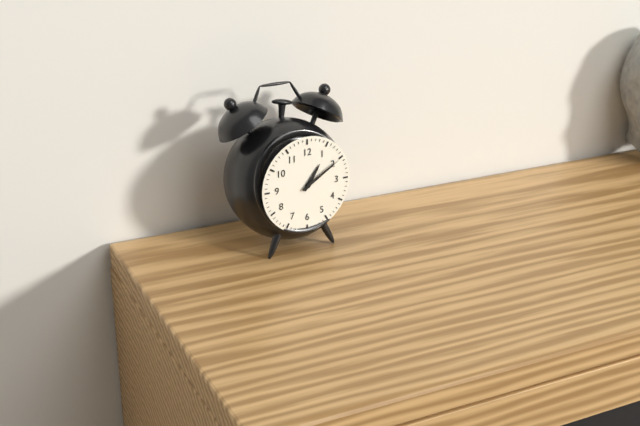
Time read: 1 h 10 min
